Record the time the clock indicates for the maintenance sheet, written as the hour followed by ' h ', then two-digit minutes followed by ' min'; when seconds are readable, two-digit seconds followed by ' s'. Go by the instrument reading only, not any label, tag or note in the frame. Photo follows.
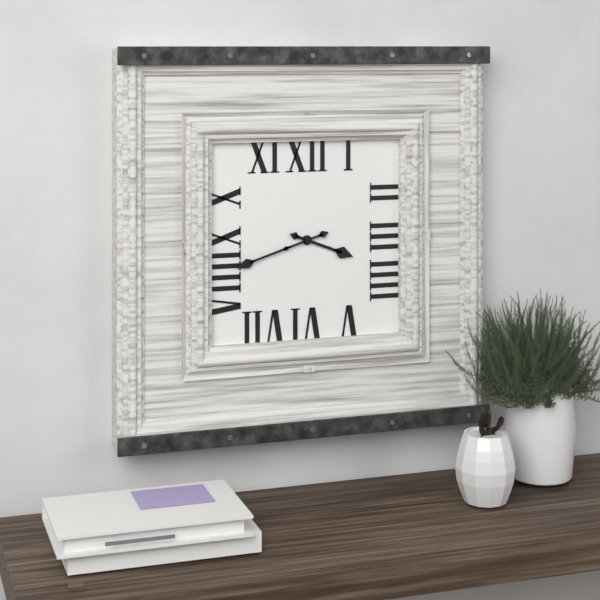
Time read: 3 h 42 min
